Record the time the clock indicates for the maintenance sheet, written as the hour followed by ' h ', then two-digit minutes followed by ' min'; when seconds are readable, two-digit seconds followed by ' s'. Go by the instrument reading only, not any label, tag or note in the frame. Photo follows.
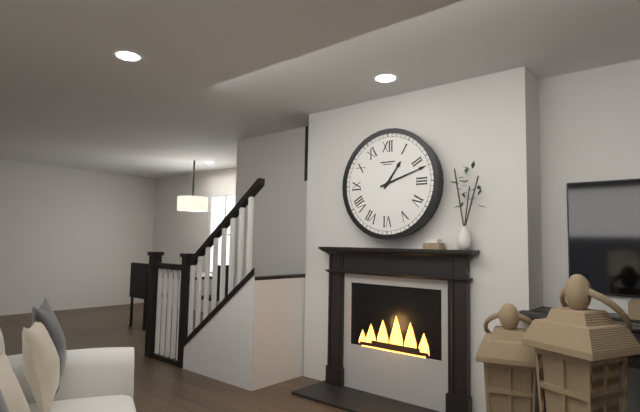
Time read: 1 h 12 min
